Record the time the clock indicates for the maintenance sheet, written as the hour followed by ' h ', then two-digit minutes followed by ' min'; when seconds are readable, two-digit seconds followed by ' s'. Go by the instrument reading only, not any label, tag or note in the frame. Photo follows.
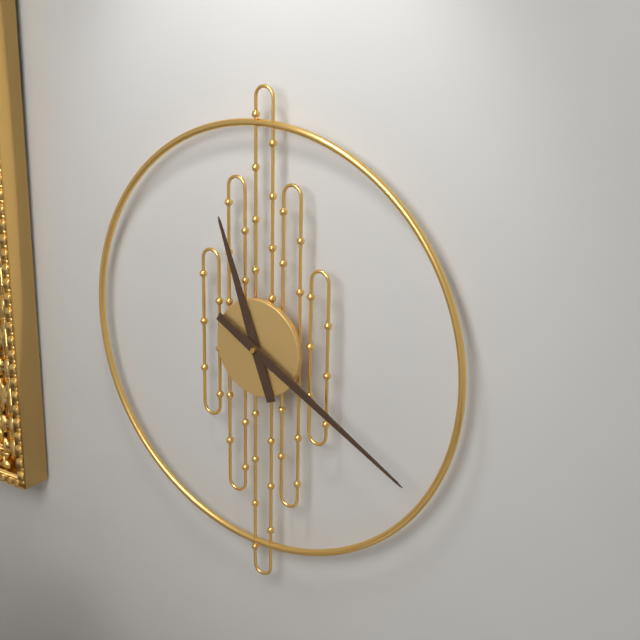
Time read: 11 h 20 min
